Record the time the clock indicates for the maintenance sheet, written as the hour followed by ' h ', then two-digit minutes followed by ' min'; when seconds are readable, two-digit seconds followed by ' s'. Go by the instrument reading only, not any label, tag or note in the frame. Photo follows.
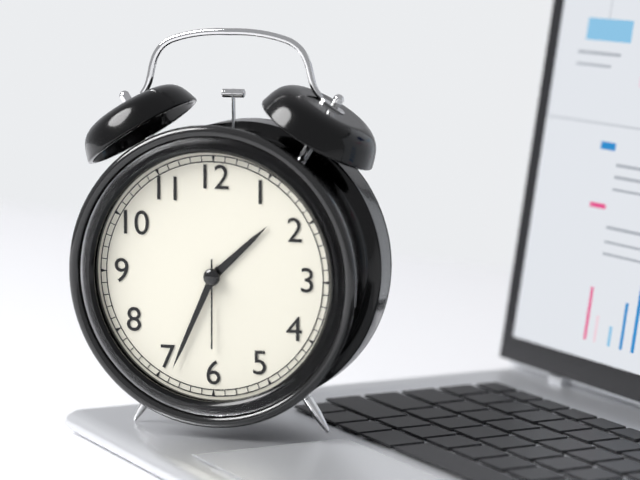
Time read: 1 h 34 min 30 s
